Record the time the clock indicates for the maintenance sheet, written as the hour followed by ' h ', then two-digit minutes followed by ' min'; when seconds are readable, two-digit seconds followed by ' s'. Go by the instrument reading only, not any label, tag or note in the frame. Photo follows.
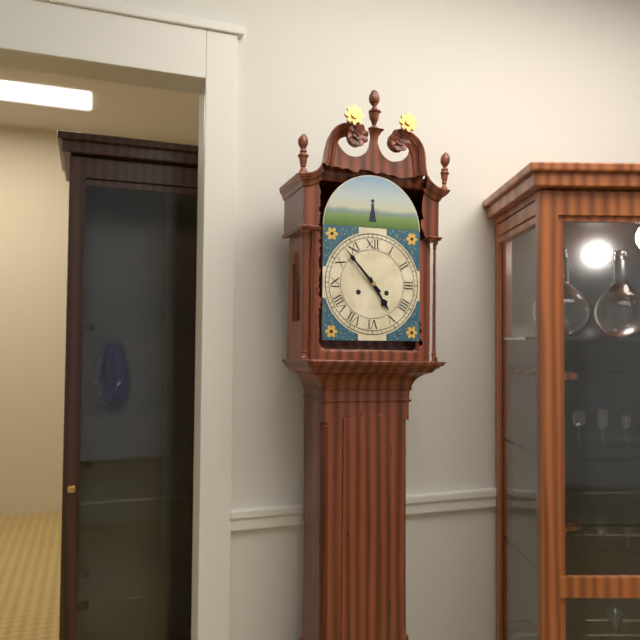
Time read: 4 h 53 min
